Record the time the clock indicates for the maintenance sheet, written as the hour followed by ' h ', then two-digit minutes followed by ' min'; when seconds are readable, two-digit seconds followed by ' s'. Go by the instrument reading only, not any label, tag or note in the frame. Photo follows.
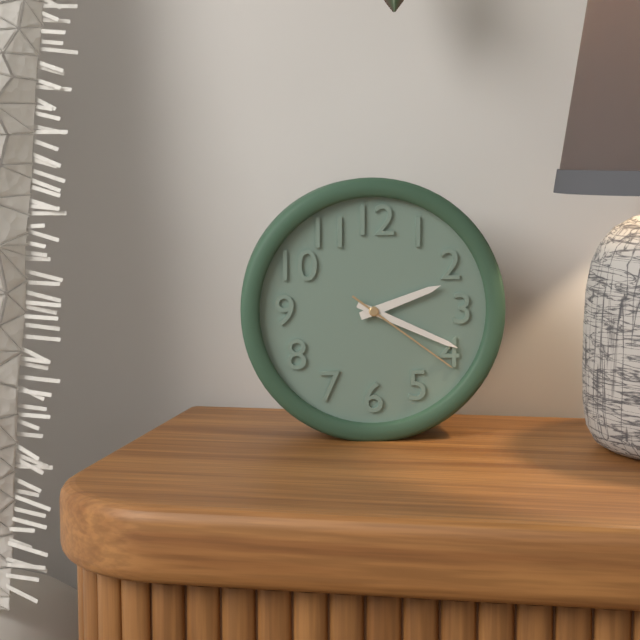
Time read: 2 h 19 min 21 s
